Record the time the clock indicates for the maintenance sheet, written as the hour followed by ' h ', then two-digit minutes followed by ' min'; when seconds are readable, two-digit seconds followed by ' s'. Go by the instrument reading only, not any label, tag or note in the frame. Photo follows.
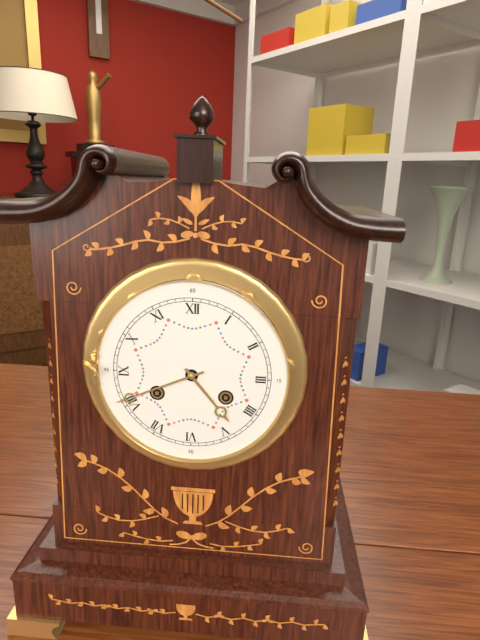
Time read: 4 h 41 min
